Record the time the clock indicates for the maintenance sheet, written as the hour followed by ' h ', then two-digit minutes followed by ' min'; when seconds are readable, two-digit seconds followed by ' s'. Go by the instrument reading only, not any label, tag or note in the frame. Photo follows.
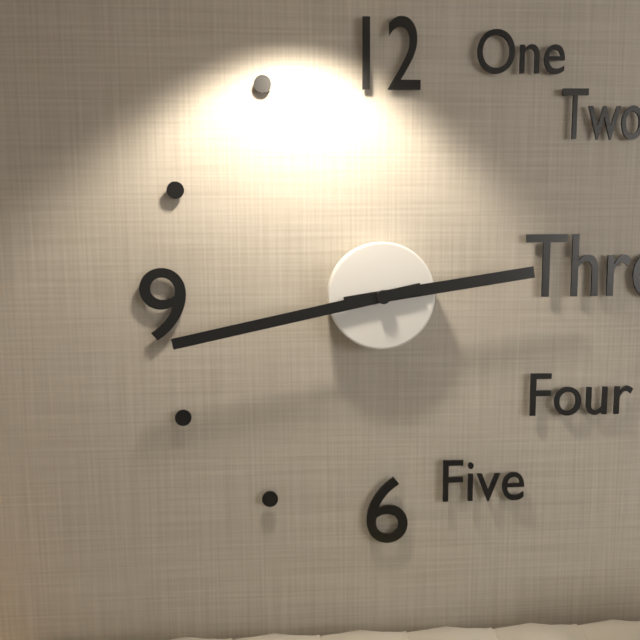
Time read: 2 h 43 min
